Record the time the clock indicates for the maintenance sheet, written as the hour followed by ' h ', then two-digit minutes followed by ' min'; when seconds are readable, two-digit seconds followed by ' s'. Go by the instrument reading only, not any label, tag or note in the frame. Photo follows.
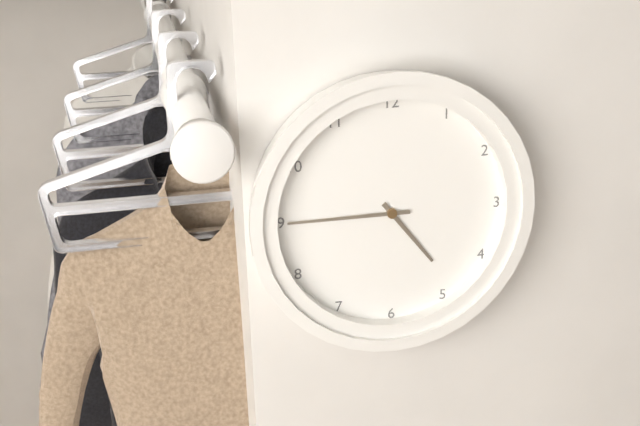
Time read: 4 h 45 min
